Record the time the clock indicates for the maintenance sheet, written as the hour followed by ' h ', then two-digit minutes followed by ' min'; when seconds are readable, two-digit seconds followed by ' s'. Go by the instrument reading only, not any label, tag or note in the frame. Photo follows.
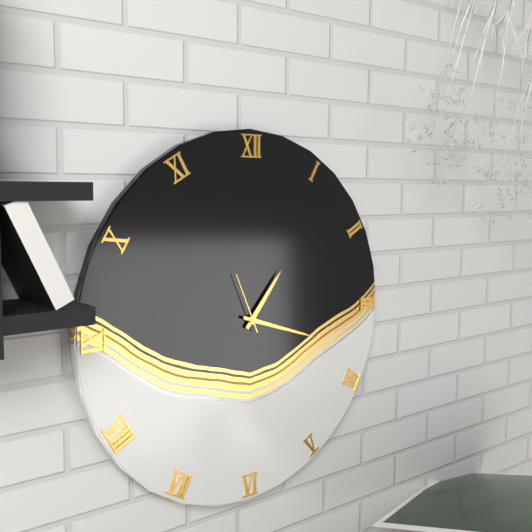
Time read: 1 h 18 min 56 s
